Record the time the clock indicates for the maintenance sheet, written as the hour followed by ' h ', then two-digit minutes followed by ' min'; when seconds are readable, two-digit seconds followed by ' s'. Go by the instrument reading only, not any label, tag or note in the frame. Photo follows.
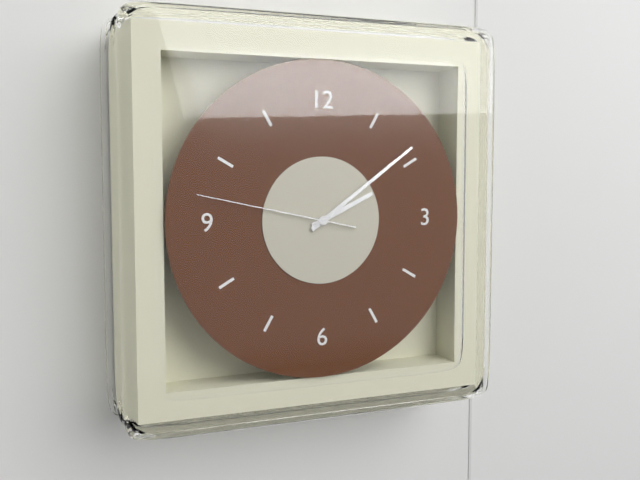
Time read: 2 h 09 min 47 s
